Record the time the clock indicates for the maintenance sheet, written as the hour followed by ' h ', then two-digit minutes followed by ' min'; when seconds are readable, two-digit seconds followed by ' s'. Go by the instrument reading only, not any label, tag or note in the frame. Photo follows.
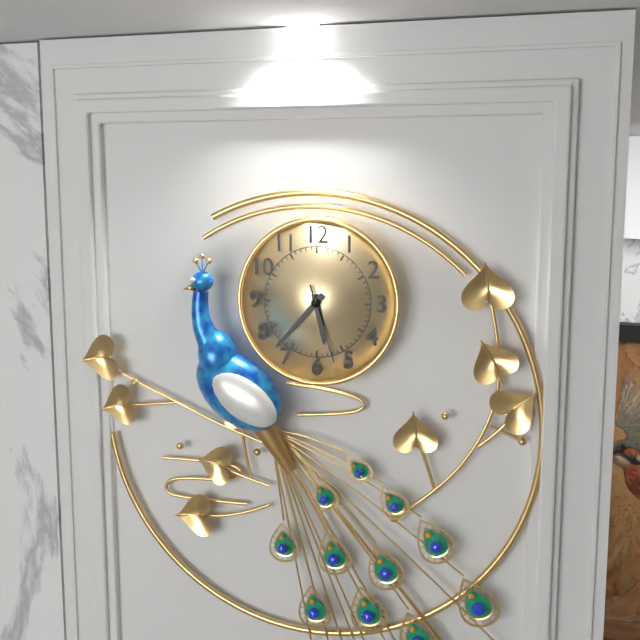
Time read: 5 h 37 min 27 s
